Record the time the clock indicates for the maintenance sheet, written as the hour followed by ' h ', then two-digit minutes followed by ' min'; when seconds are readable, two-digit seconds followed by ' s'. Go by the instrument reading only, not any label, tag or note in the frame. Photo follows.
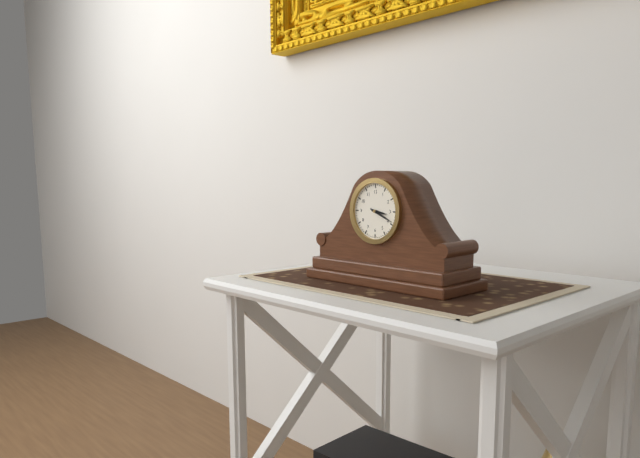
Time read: 3 h 19 min
